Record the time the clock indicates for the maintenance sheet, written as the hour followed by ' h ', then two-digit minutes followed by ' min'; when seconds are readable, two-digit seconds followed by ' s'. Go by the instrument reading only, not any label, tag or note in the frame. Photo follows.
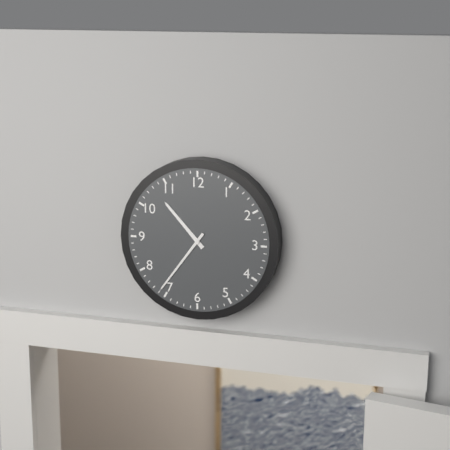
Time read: 10 h 36 min
